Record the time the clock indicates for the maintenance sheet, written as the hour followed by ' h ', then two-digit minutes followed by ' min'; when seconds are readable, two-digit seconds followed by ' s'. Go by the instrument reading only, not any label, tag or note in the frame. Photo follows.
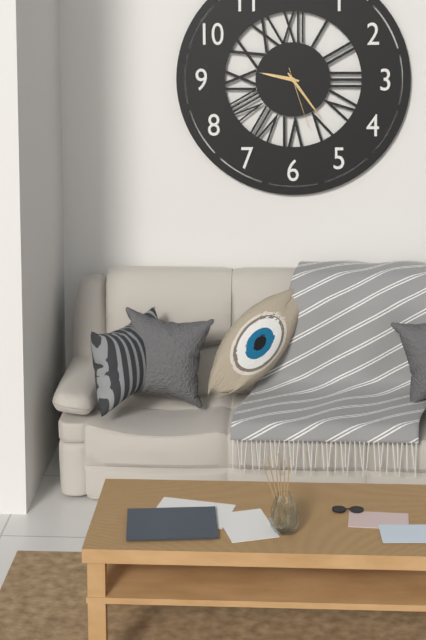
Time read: 9 h 24 min 27 s
